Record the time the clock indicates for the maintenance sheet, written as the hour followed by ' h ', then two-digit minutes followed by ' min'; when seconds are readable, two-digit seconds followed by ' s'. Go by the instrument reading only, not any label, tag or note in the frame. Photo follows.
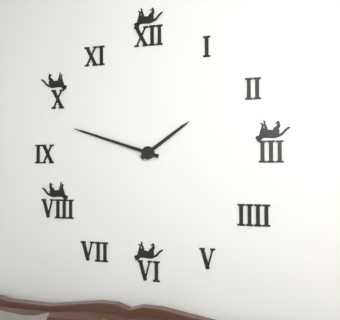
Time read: 1 h 48 min
